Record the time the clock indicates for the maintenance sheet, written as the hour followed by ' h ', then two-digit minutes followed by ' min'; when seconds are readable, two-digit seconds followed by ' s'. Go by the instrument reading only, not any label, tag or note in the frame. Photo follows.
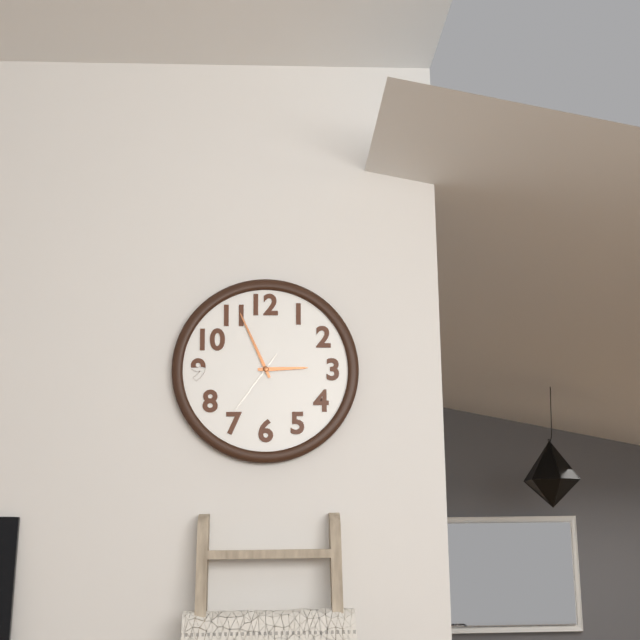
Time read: 2 h 56 min 36 s
